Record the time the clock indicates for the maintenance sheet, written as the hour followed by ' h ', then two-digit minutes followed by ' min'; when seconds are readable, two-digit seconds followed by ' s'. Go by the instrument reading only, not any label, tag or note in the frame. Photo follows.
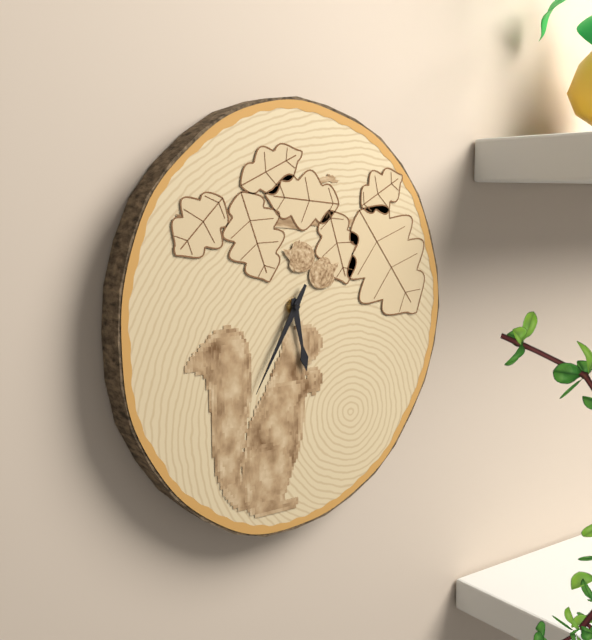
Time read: 5 h 35 min
